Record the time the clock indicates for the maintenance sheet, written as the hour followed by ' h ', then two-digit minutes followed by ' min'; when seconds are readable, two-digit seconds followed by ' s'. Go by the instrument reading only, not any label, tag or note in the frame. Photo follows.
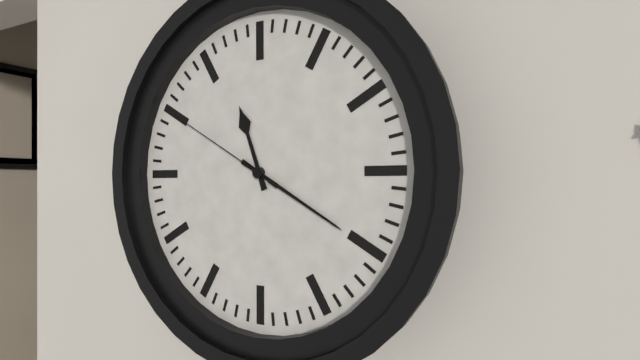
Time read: 11 h 20 min 50 s
